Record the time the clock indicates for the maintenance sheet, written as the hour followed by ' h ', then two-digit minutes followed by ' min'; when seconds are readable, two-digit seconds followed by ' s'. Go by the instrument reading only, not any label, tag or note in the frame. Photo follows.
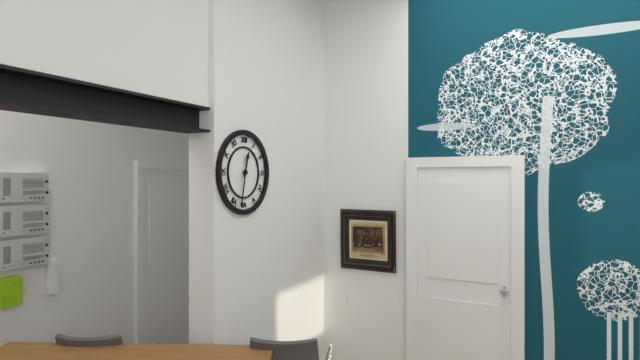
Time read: 12 h 32 min
